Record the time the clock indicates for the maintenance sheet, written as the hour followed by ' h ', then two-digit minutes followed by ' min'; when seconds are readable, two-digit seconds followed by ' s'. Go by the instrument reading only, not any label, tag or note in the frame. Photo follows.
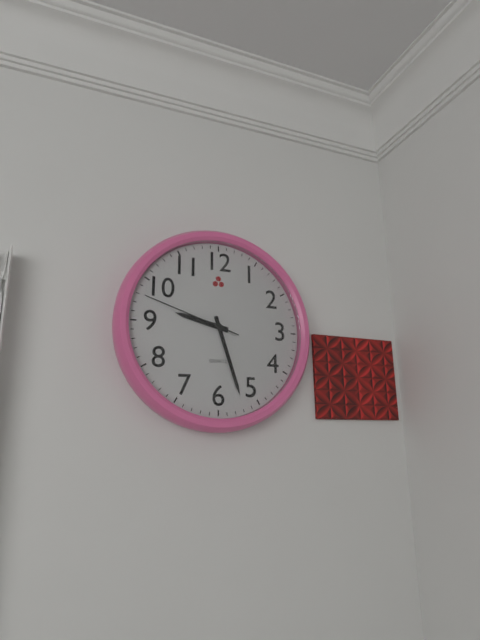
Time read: 9 h 27 min 48 s
